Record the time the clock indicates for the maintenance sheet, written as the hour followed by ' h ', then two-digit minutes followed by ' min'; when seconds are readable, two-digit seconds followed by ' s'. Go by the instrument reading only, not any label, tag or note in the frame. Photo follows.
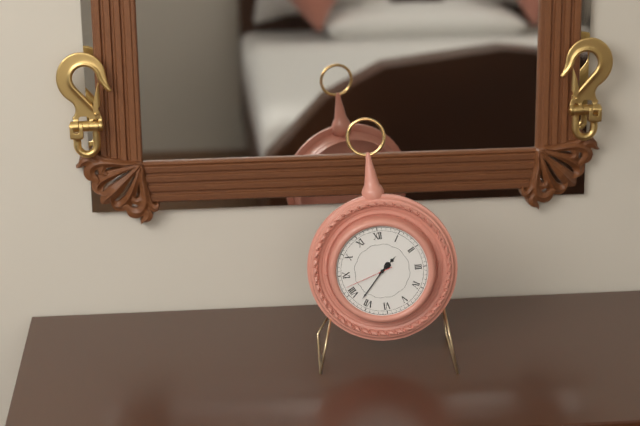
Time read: 1 h 37 min 42 s
